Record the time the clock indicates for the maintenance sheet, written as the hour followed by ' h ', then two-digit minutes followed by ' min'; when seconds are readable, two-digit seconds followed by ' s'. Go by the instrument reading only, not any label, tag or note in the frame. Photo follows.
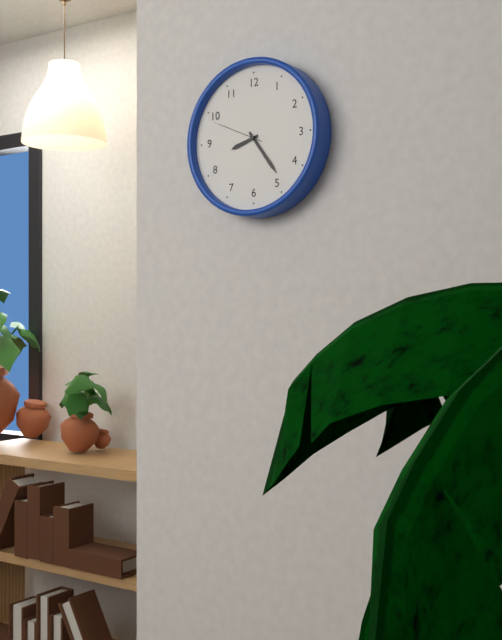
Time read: 8 h 24 min 49 s
